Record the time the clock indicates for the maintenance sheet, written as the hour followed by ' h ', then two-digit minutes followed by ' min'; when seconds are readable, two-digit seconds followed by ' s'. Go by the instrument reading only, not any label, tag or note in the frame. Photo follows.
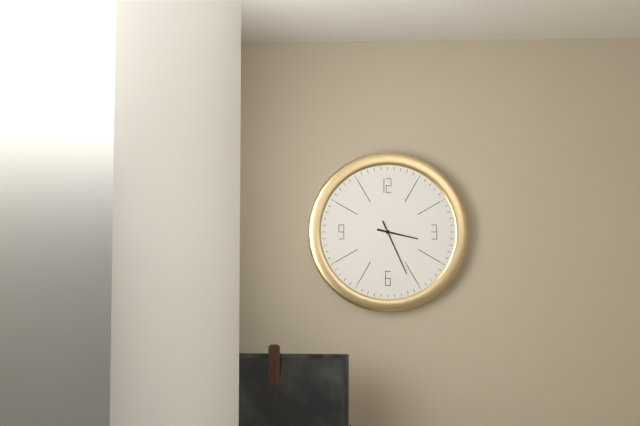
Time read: 3 h 26 min
